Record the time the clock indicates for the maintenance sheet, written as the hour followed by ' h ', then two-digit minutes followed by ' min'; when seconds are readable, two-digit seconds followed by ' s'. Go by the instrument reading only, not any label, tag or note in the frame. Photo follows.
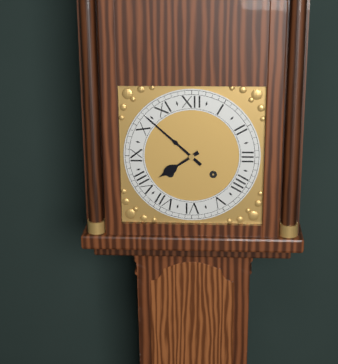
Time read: 7 h 52 min
